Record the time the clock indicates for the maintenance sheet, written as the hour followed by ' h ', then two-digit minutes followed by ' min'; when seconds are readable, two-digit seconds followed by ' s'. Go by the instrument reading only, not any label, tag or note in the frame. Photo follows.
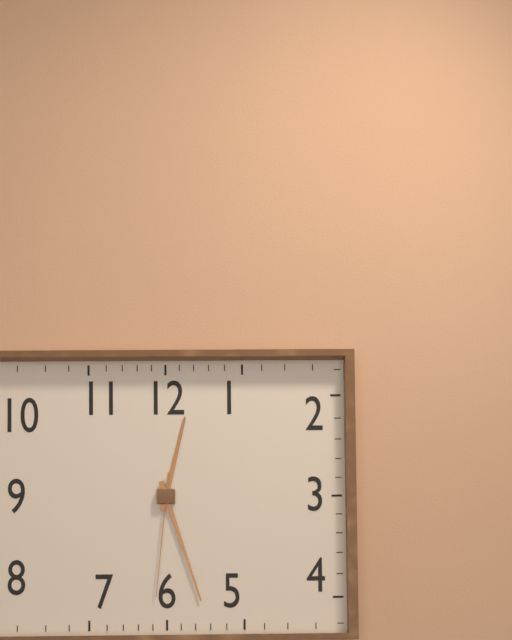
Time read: 12 h 27 min 31 s
